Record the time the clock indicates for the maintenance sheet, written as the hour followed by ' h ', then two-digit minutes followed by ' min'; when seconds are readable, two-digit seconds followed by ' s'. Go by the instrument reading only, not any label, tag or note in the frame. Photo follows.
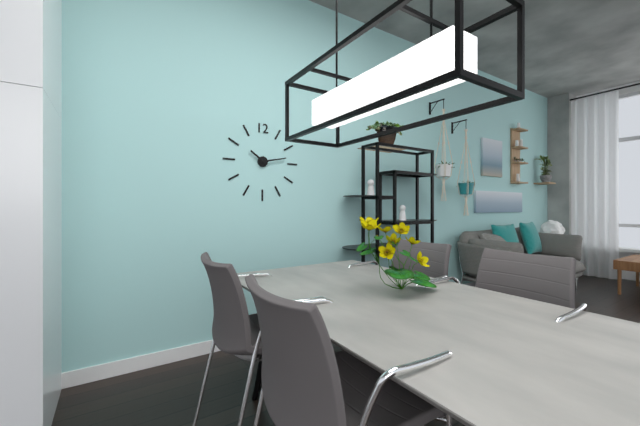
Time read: 10 h 13 min
